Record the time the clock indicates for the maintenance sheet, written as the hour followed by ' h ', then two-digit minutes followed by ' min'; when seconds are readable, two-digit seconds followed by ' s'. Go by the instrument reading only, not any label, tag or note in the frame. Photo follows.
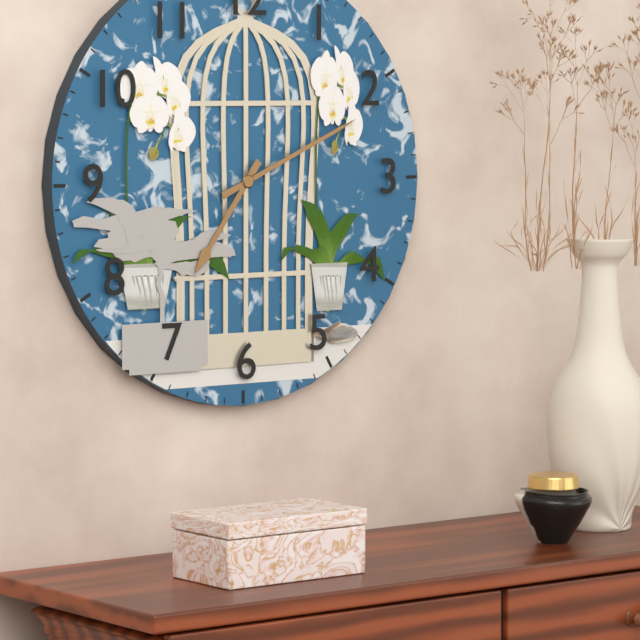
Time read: 7 h 11 min
